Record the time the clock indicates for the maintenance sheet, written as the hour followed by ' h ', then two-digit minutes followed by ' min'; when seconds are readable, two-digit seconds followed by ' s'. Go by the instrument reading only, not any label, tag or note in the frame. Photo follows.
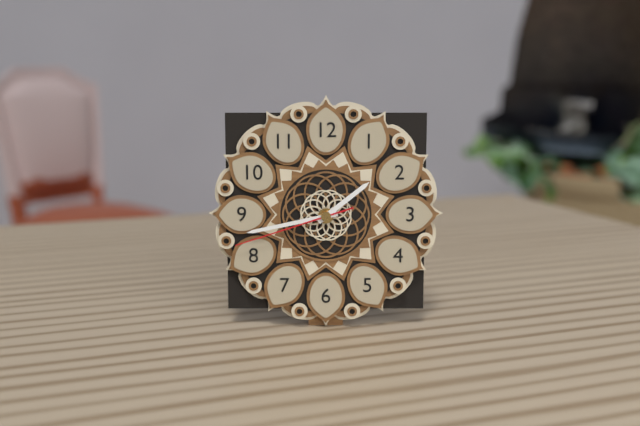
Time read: 1 h 43 min 42 s
